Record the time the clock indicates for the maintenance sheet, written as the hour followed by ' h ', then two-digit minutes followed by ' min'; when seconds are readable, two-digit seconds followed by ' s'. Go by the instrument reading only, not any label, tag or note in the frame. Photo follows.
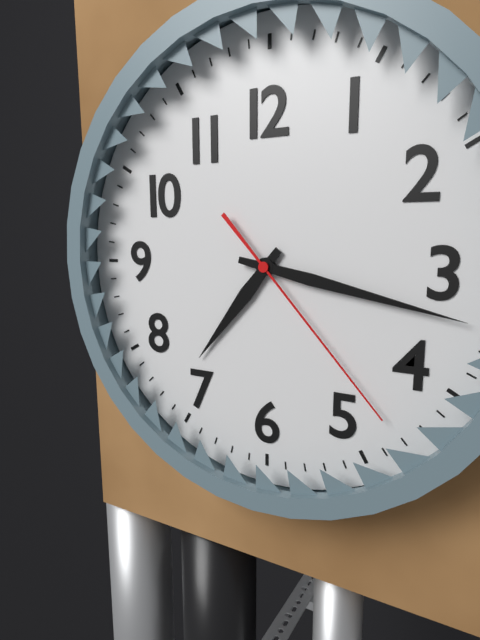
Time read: 7 h 17 min 23 s
